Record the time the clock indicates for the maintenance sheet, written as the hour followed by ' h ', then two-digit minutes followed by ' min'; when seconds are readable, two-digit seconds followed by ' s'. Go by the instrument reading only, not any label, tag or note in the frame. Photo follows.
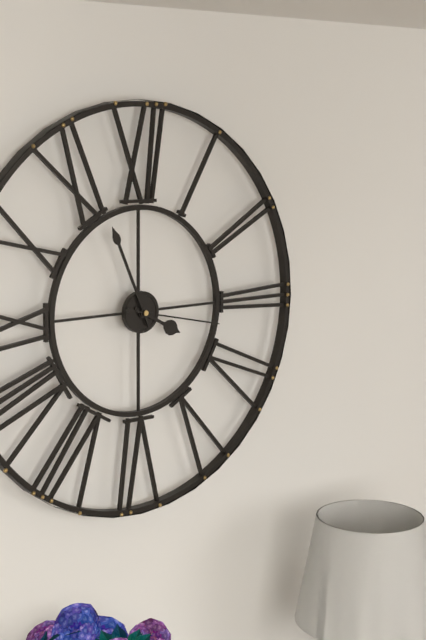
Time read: 3 h 56 min 17 s
